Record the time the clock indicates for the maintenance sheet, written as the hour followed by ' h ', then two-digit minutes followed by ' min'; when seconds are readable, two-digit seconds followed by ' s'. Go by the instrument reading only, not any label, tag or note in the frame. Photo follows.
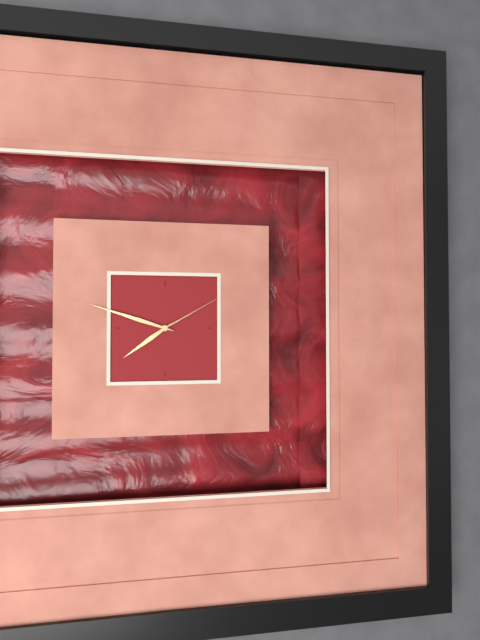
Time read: 7 h 48 min 10 s
